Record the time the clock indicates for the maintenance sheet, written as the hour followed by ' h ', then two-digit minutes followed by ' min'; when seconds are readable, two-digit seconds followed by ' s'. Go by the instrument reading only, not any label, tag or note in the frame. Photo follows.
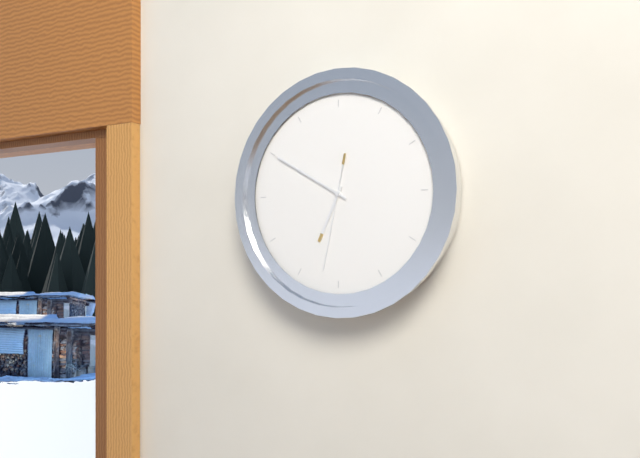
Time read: 6 h 50 min 32 s
